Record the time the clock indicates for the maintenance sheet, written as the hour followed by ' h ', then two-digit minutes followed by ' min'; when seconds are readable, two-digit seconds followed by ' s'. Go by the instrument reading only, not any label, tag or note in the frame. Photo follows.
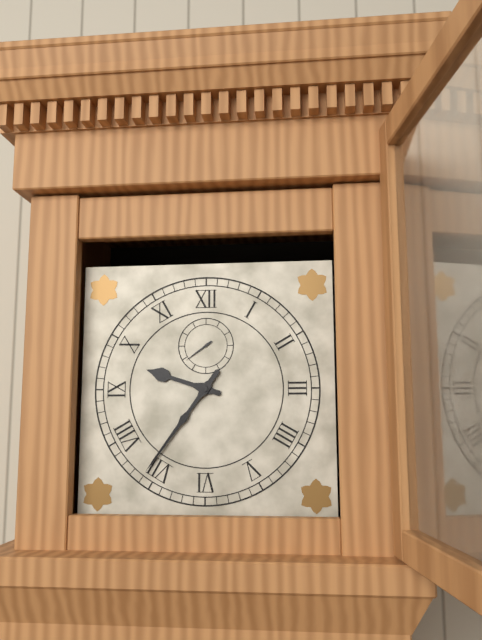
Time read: 9 h 36 min
